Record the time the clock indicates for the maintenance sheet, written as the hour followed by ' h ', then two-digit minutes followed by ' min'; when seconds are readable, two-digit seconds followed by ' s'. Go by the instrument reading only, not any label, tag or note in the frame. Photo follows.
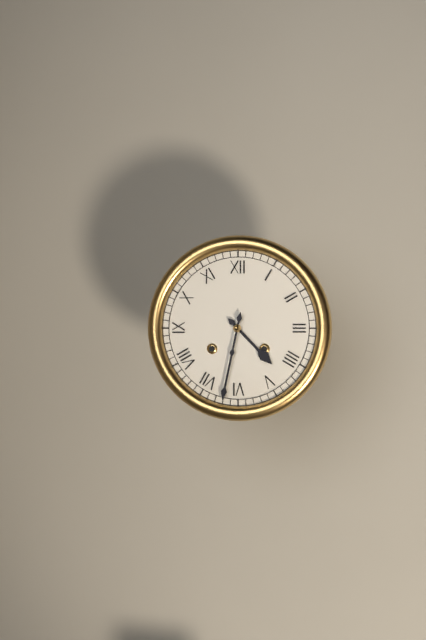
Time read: 4 h 32 min
